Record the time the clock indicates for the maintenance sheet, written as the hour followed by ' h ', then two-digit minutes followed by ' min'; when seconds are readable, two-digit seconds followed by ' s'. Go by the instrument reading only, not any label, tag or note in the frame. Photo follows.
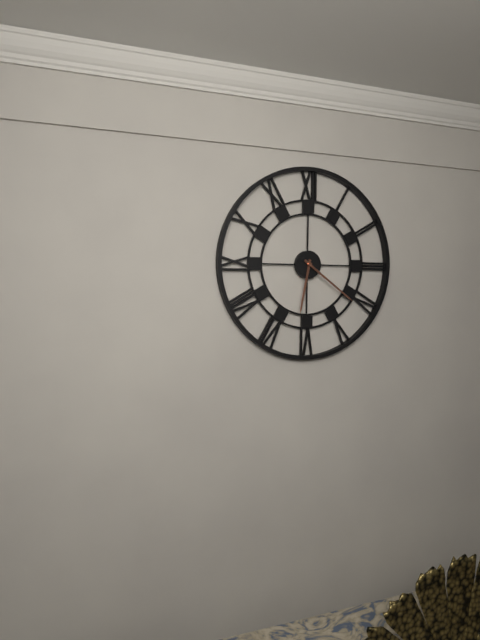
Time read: 6 h 21 min
